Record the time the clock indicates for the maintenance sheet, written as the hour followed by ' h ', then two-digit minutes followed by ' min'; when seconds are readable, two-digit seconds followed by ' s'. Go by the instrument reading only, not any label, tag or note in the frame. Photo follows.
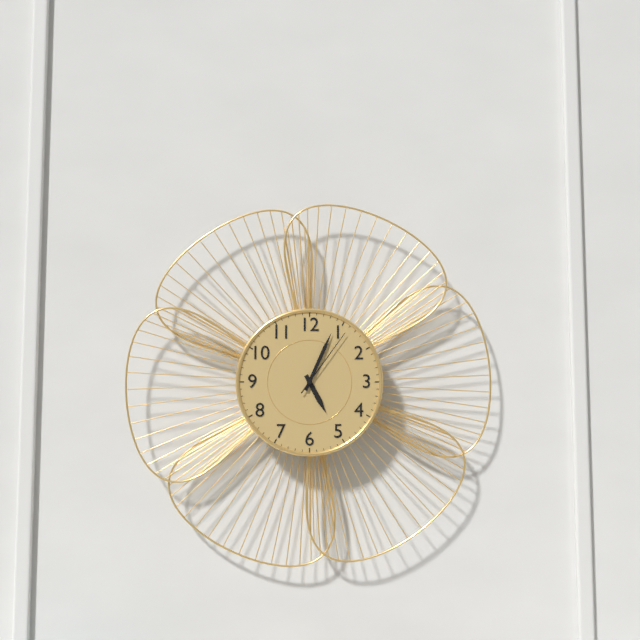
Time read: 5 h 04 min 06 s
